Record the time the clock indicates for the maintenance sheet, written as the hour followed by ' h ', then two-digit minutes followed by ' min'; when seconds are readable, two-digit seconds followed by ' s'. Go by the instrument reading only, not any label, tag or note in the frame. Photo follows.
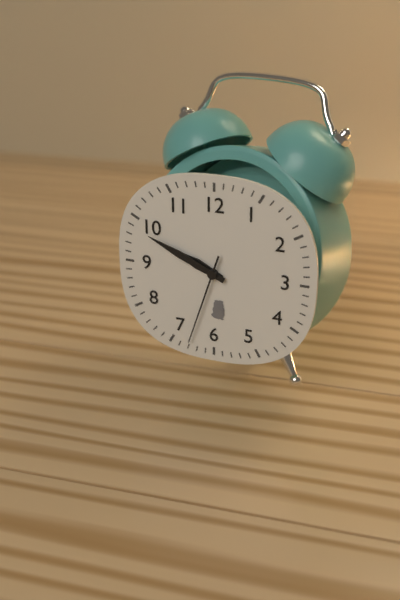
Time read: 9 h 49 min 33 s
